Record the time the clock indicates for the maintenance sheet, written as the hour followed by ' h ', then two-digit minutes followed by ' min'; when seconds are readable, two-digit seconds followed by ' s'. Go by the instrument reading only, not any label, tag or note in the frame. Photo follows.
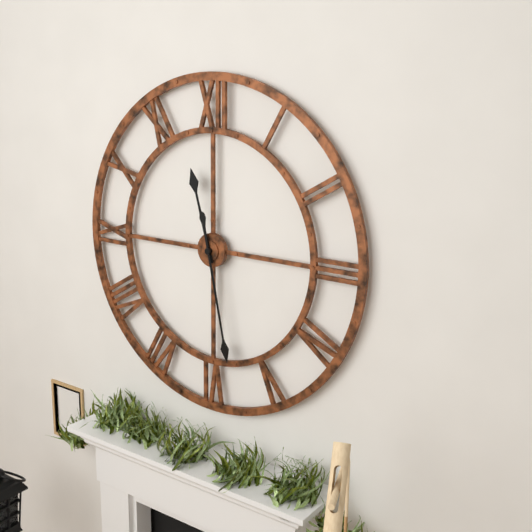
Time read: 11 h 28 min
